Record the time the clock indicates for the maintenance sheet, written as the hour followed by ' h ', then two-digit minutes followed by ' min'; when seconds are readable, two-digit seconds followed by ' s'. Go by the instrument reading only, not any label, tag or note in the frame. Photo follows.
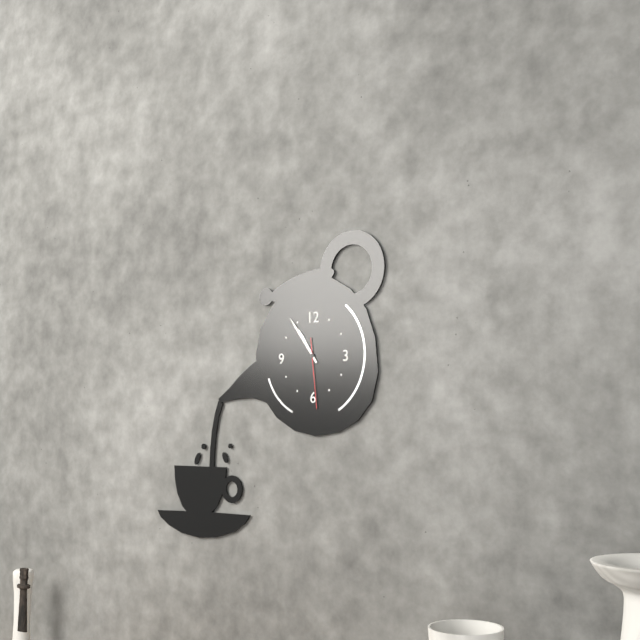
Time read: 10 h 54 min 29 s
